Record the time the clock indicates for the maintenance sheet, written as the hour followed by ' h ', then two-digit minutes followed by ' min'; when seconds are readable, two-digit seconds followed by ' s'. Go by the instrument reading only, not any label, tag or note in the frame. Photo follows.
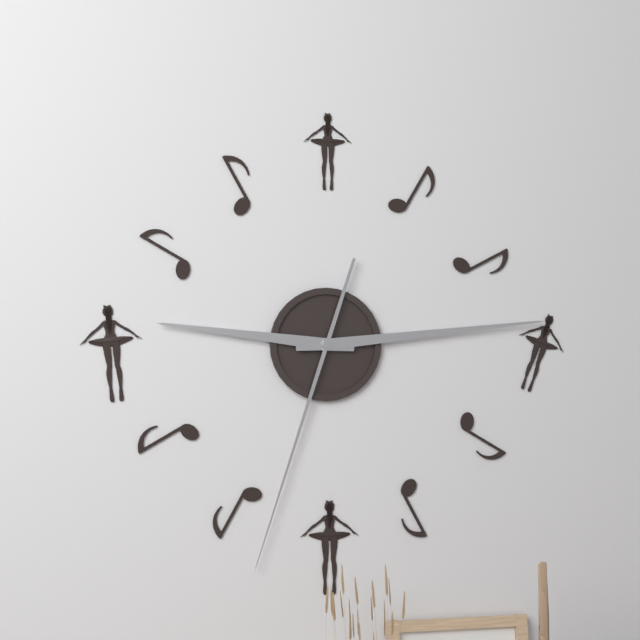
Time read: 9 h 14 min 33 s
